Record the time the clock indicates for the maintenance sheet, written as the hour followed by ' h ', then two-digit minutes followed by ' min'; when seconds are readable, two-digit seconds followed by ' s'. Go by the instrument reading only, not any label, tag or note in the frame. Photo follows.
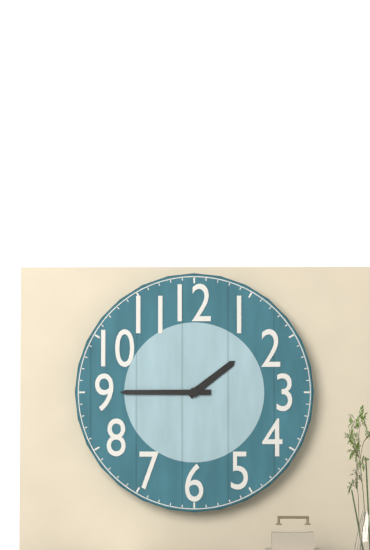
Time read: 1 h 45 min
